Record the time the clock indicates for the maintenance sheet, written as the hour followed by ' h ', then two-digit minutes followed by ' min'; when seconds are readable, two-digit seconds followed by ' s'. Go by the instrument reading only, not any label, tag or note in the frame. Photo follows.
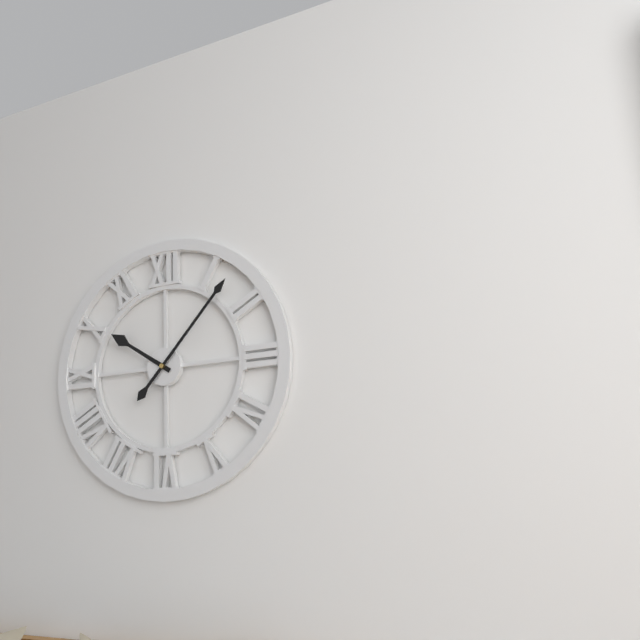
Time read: 10 h 07 min
